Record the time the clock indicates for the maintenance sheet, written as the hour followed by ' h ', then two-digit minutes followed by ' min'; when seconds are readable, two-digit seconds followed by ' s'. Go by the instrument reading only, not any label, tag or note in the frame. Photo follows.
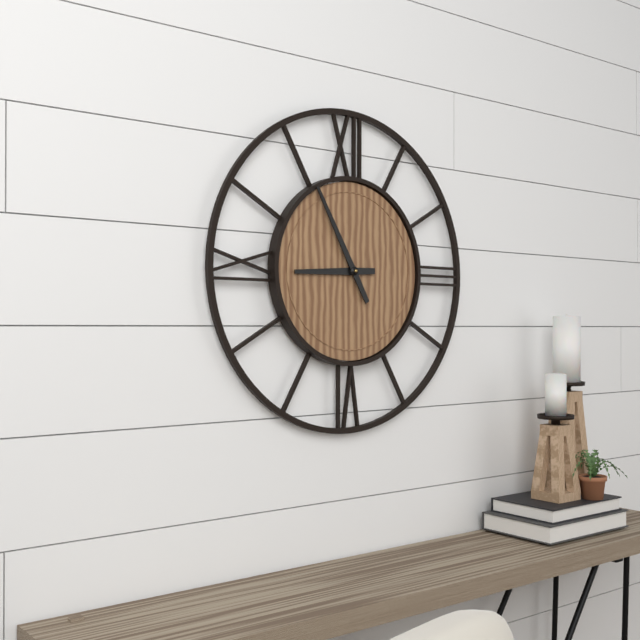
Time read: 8 h 55 min
